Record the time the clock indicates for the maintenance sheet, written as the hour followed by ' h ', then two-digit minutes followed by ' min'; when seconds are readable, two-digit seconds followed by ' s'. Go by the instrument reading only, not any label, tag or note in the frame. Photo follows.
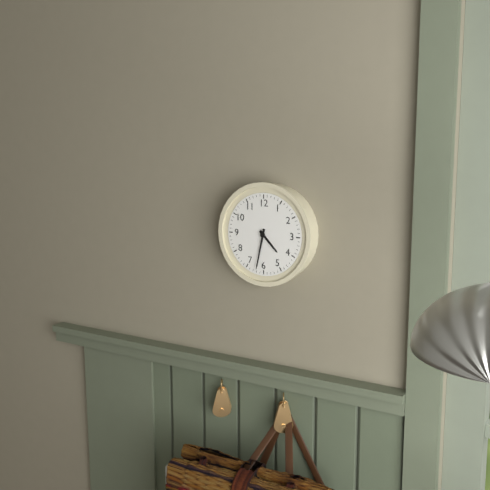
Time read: 4 h 32 min
